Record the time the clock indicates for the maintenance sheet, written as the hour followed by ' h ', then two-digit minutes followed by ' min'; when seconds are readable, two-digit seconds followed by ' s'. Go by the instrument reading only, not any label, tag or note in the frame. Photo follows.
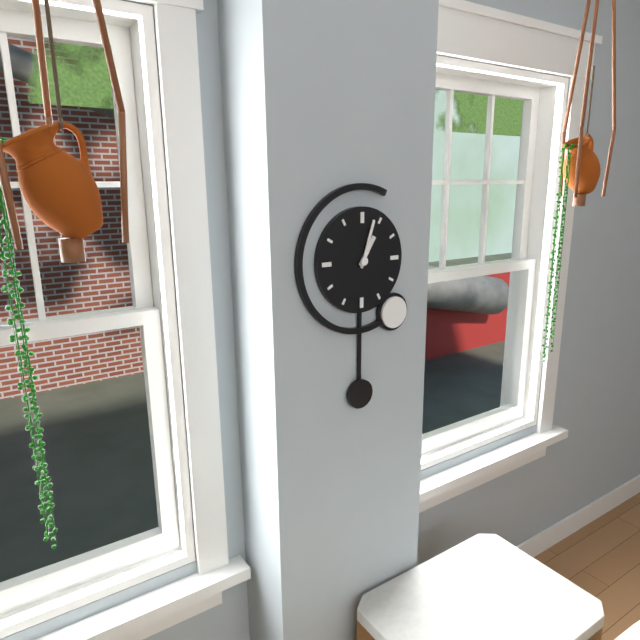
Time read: 1 h 03 min
